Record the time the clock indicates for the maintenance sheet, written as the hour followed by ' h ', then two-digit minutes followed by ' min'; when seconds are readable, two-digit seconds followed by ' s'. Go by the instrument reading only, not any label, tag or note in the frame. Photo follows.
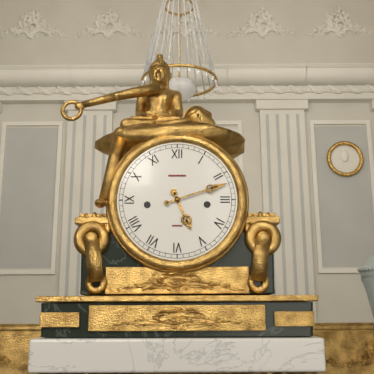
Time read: 5 h 12 min
